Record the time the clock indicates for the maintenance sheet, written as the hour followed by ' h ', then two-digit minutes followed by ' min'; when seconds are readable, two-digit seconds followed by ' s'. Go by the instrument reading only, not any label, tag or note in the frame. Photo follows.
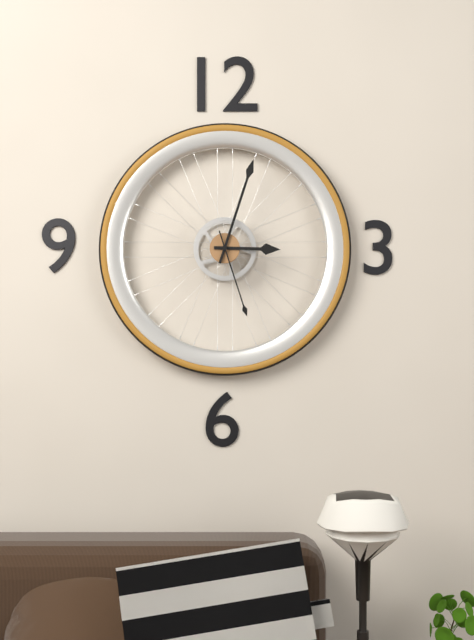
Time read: 3 h 03 min 27 s
